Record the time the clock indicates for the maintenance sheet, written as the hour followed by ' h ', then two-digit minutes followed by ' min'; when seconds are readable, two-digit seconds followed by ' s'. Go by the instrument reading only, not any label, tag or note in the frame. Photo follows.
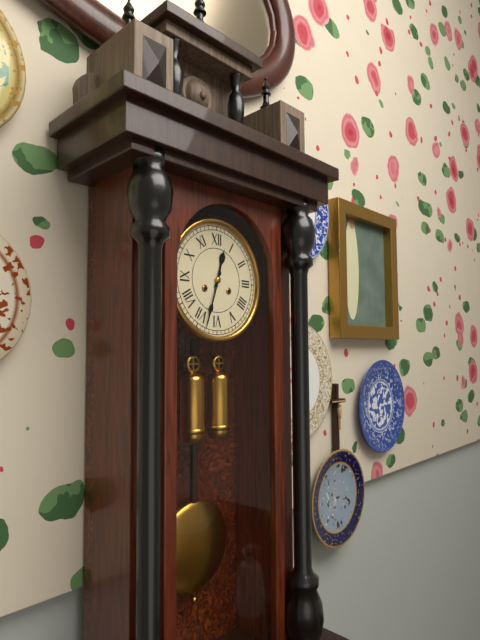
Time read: 12 h 33 min
